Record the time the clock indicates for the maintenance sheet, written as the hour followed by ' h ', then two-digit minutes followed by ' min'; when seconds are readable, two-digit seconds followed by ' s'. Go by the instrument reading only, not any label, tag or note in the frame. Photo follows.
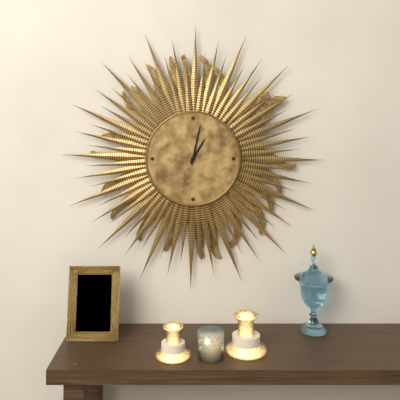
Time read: 1 h 02 min
